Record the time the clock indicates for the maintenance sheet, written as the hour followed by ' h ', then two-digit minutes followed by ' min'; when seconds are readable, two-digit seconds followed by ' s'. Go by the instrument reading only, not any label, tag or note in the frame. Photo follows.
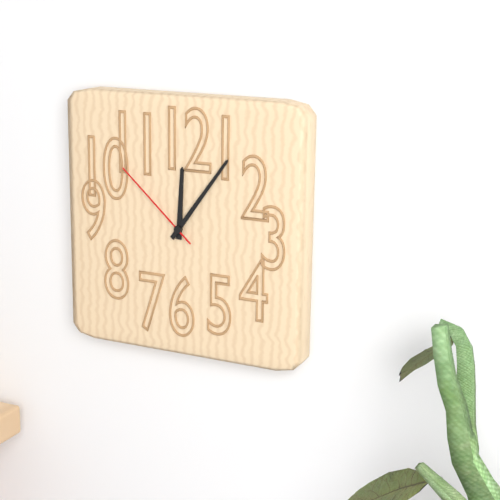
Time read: 12 h 06 min 52 s
